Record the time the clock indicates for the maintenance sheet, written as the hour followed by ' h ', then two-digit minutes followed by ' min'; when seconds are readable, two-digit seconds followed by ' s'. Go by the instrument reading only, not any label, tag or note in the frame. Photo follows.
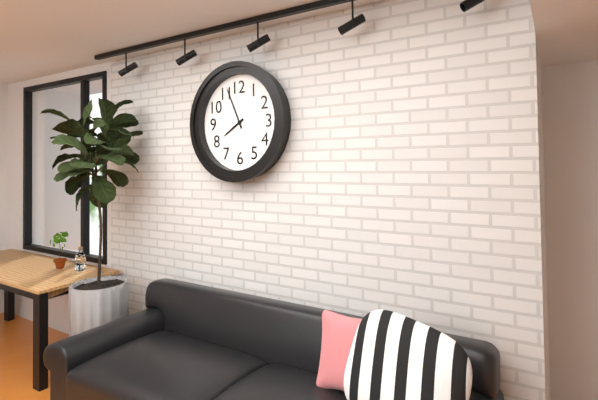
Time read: 7 h 56 min
